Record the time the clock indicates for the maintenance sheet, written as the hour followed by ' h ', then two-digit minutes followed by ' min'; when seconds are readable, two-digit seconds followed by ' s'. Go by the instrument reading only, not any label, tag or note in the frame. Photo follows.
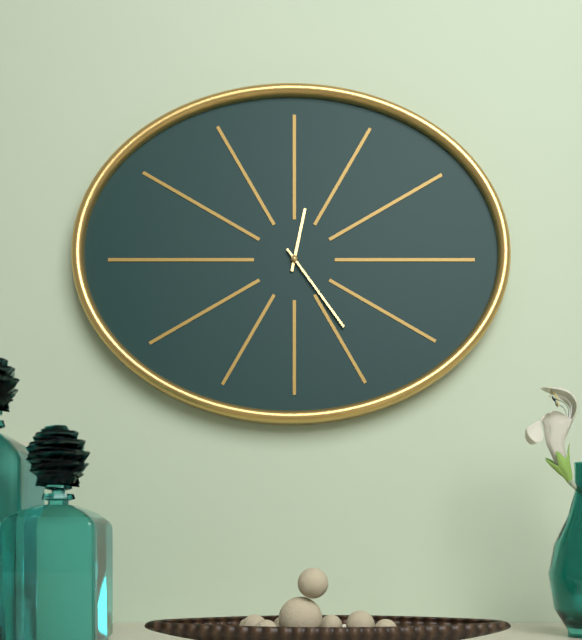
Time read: 12 h 24 min
